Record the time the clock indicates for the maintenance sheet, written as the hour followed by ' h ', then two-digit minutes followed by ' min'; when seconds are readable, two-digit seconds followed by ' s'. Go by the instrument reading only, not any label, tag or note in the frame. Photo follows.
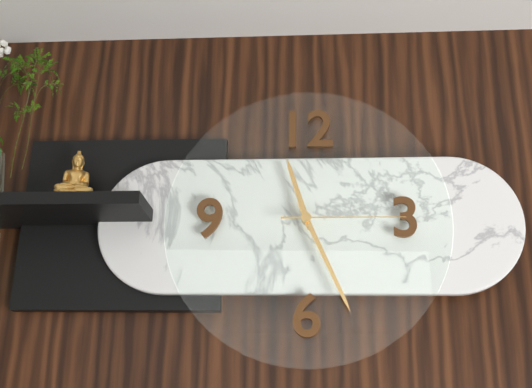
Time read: 11 h 26 min 15 s
